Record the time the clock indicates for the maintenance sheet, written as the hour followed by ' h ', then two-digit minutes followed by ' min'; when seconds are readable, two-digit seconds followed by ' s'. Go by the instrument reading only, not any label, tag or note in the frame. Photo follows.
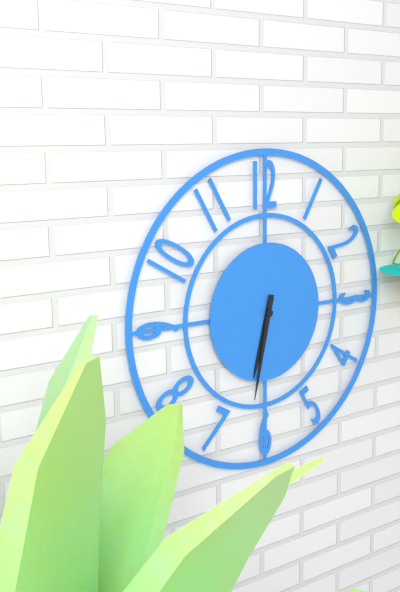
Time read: 6 h 32 min
